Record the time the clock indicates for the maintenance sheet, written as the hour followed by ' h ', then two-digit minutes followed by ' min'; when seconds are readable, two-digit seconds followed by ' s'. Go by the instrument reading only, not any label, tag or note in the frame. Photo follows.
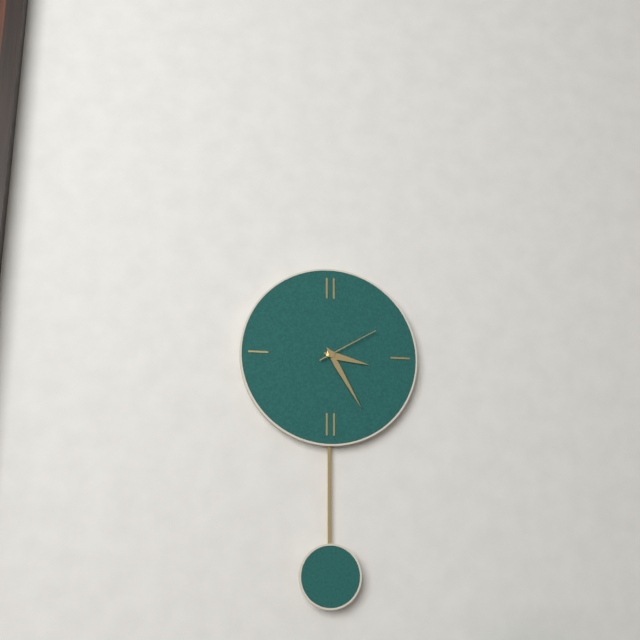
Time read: 3 h 25 min 10 s
